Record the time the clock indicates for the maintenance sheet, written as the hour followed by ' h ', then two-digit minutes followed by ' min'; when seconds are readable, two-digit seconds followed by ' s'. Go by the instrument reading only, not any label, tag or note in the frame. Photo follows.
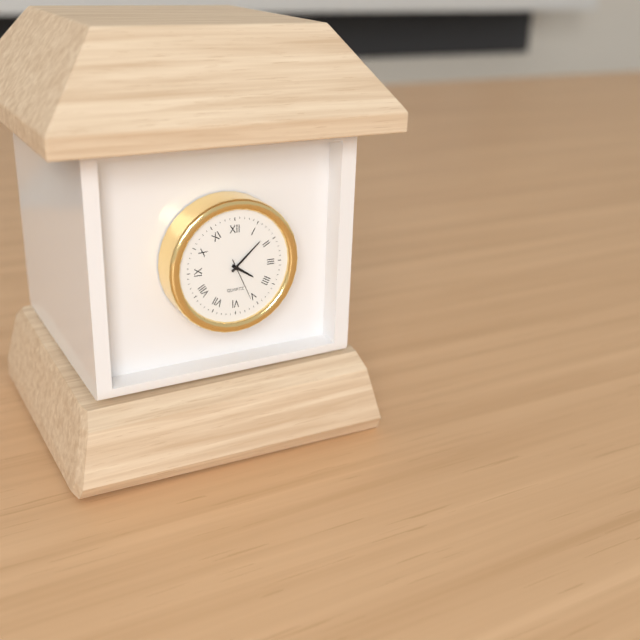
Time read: 4 h 08 min
